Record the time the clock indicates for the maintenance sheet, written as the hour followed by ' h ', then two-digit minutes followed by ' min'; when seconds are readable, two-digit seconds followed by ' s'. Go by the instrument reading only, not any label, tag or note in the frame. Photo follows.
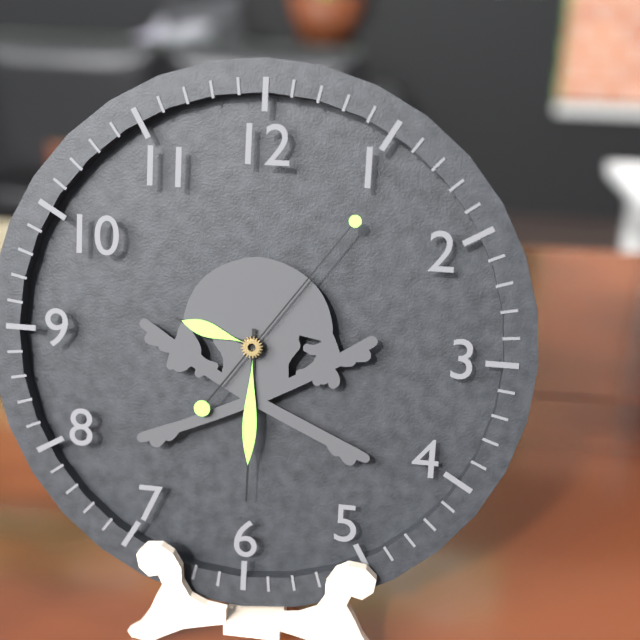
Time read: 9 h 30 min 06 s
